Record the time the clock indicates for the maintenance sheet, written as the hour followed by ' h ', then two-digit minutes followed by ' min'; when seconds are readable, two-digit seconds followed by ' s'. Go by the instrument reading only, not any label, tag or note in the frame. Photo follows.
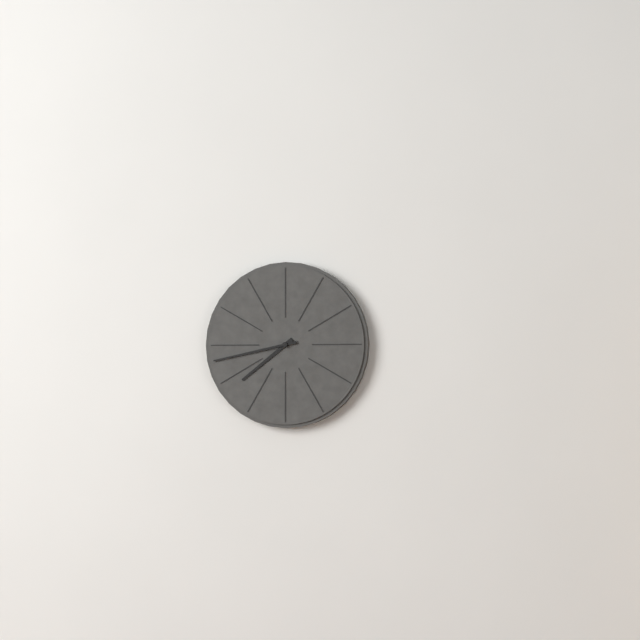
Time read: 7 h 43 min
